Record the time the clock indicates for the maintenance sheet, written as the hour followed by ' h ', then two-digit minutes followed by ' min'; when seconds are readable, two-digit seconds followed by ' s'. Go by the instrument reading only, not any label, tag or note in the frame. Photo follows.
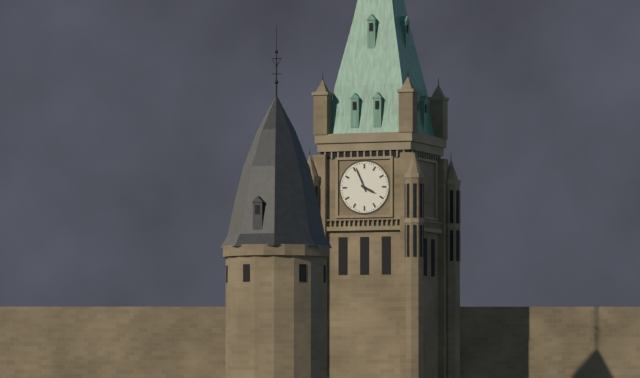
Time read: 3 h 56 min
